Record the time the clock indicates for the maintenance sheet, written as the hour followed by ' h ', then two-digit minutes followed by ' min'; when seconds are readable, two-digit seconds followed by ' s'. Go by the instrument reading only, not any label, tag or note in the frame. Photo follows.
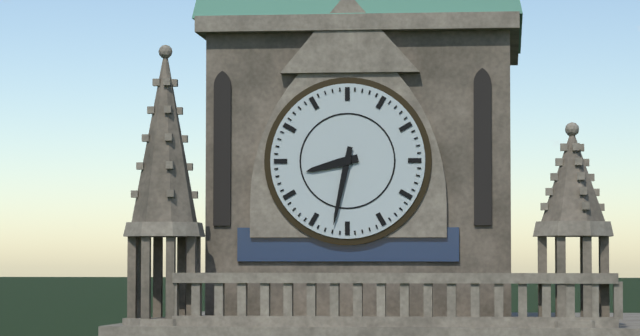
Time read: 8 h 32 min
